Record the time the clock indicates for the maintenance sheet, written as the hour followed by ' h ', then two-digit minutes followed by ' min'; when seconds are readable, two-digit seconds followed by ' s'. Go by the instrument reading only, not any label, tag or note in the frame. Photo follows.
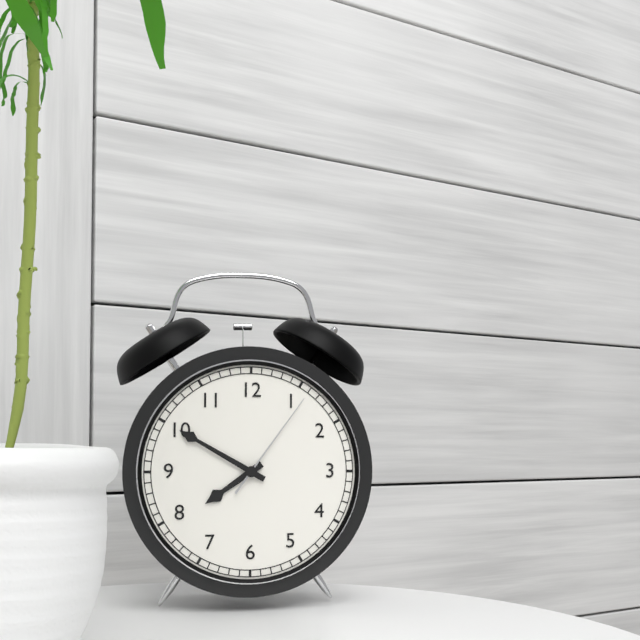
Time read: 7 h 50 min 06 s
